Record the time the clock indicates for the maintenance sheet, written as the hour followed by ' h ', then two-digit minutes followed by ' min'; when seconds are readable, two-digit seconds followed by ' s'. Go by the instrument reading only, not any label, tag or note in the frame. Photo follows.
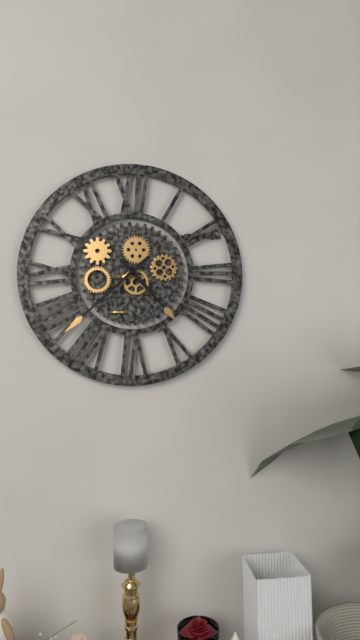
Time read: 4 h 38 min
